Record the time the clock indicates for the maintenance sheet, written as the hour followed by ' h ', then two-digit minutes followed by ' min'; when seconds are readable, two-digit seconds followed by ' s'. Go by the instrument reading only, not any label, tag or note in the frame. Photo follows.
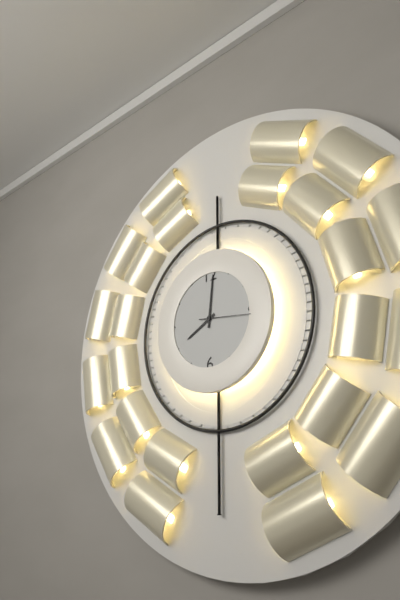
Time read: 8 h 01 min 16 s
